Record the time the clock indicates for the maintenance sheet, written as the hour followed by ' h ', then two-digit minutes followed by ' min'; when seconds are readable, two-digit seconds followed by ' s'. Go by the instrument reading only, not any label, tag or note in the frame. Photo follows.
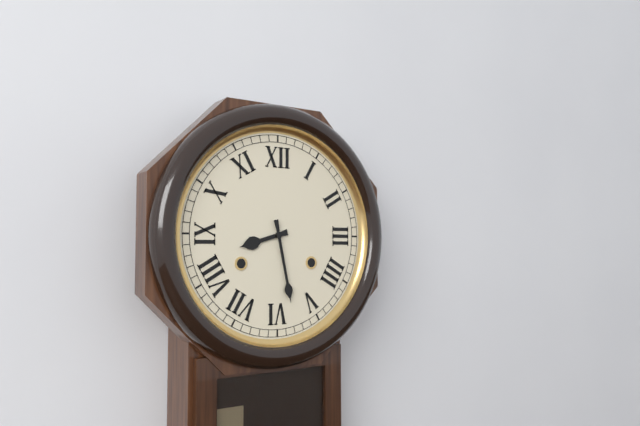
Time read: 8 h 28 min
